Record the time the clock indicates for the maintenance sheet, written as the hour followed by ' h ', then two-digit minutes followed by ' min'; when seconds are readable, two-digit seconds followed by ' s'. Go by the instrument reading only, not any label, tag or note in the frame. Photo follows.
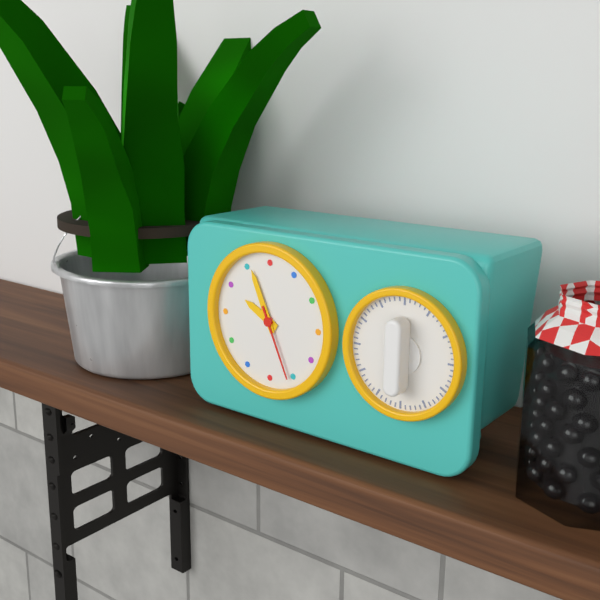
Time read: 9 h 56 min 26 s
